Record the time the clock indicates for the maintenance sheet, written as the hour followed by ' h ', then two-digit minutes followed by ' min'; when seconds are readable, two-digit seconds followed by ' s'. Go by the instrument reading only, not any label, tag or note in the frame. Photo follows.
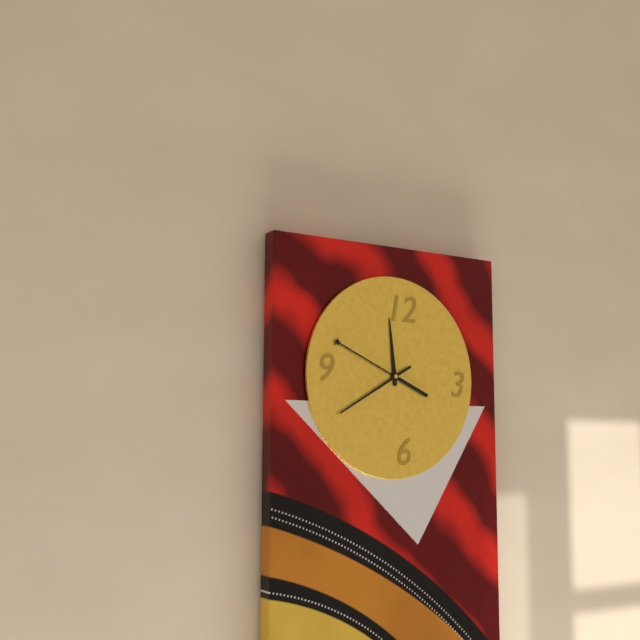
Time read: 11 h 49 min 40 s
